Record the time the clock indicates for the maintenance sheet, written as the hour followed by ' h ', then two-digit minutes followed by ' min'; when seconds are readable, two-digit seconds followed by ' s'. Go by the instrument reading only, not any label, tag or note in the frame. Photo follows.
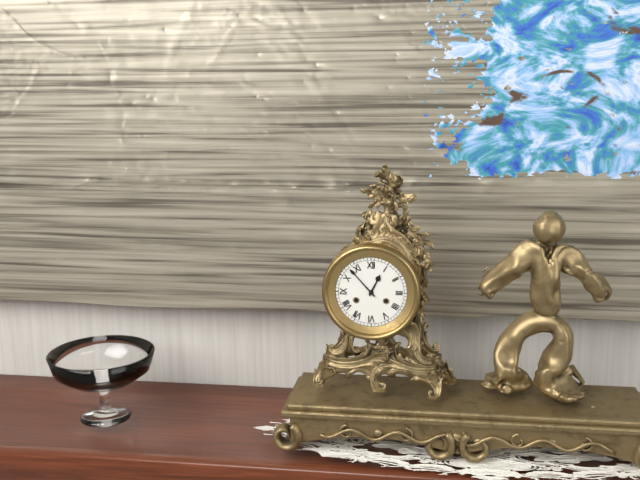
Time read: 12 h 53 min
